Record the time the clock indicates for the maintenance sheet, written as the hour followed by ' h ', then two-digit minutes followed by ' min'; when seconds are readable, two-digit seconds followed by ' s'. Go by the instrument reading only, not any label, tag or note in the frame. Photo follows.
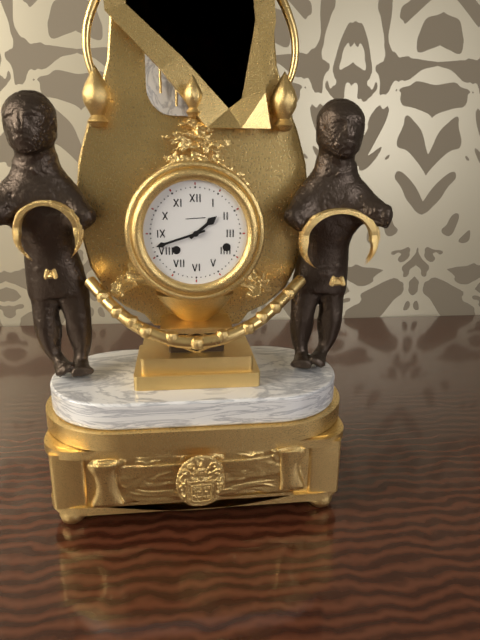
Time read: 1 h 42 min
